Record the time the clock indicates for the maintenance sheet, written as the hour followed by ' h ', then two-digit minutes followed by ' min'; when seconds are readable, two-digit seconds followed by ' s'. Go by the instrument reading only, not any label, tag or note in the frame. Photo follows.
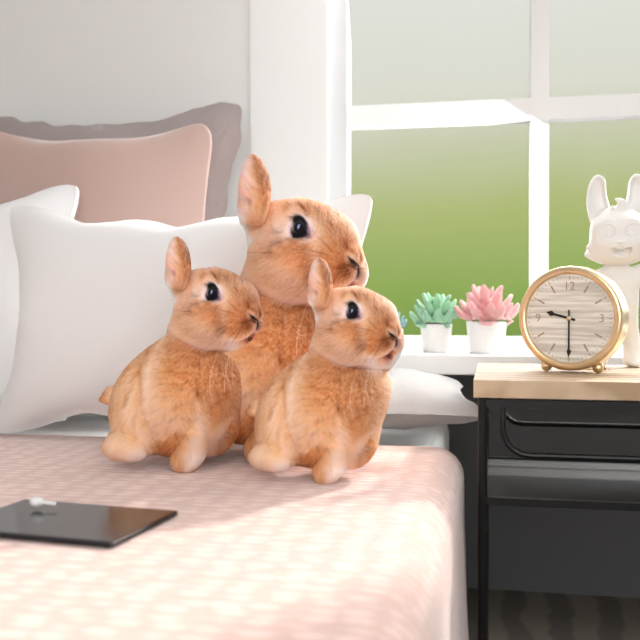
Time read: 9 h 30 min
